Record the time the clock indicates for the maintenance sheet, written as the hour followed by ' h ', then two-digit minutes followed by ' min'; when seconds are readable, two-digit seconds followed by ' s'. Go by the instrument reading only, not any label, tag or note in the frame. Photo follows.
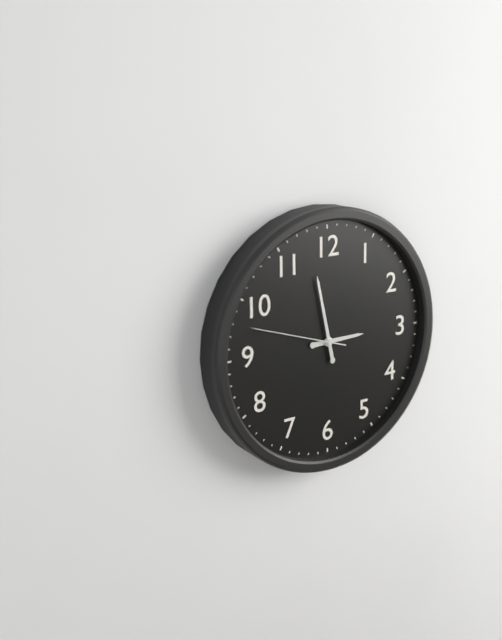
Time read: 2 h 58 min 48 s
